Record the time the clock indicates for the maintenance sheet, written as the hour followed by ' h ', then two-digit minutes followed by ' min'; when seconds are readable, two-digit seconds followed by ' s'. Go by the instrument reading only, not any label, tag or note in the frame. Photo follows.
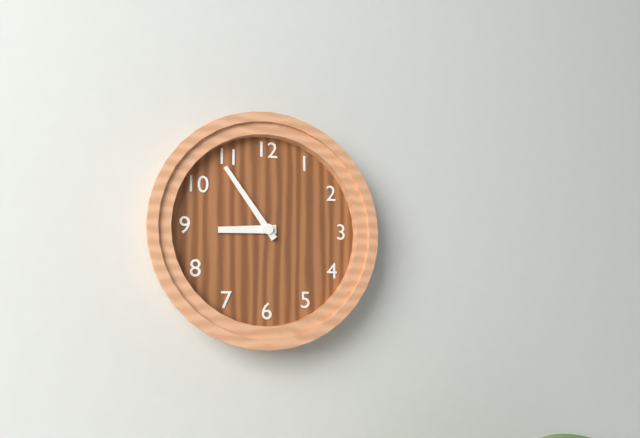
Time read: 8 h 54 min
